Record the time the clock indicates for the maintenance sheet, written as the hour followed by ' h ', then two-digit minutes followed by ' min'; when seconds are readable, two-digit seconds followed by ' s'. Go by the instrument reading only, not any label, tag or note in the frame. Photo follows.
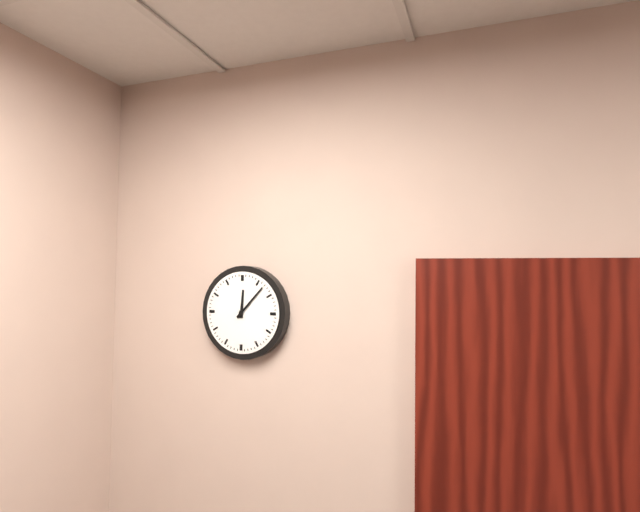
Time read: 12 h 07 min
